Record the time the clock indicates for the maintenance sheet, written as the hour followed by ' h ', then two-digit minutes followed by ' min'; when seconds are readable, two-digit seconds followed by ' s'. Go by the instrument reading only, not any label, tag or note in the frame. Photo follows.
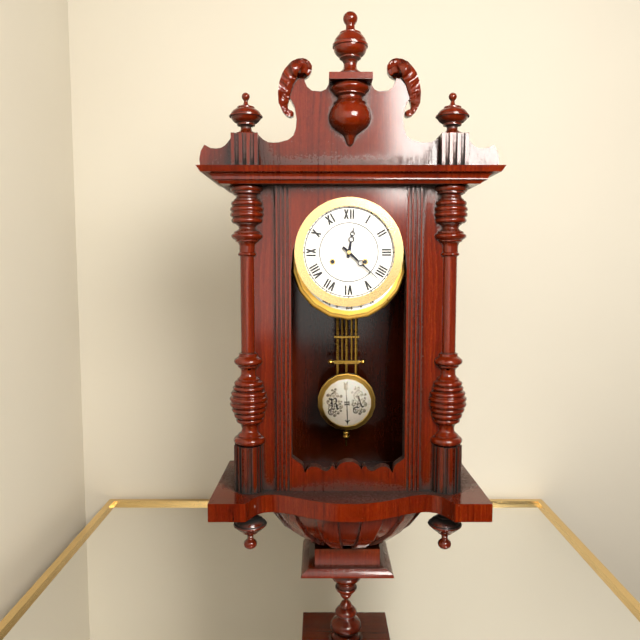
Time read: 12 h 22 min
